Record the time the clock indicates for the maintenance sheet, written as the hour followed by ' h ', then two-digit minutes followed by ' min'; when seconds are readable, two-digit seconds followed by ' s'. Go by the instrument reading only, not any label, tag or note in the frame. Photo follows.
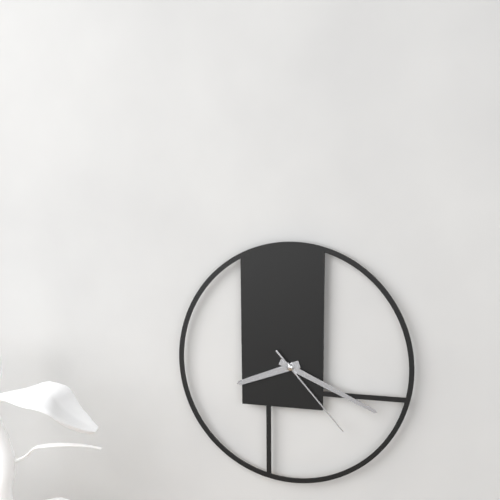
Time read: 8 h 19 min 23 s
